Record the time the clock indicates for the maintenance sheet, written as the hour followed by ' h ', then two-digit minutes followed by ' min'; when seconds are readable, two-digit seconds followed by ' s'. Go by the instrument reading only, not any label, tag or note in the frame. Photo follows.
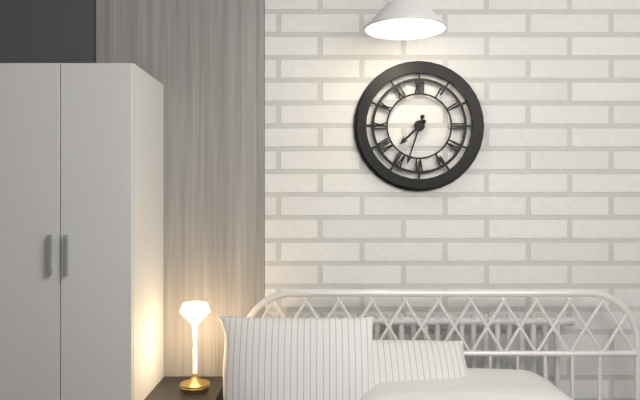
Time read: 7 h 33 min
